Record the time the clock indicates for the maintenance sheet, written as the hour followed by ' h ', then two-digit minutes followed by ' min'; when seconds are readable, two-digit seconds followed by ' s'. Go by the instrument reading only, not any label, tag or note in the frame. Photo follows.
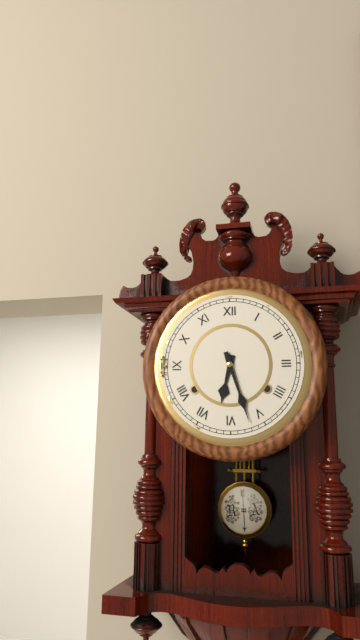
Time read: 6 h 27 min
